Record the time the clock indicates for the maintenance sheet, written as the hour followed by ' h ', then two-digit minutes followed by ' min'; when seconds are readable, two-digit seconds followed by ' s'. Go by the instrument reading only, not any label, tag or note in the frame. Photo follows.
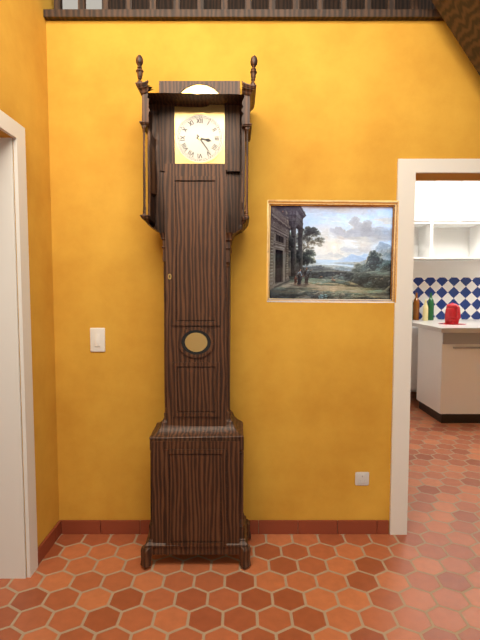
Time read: 3 h 24 min
